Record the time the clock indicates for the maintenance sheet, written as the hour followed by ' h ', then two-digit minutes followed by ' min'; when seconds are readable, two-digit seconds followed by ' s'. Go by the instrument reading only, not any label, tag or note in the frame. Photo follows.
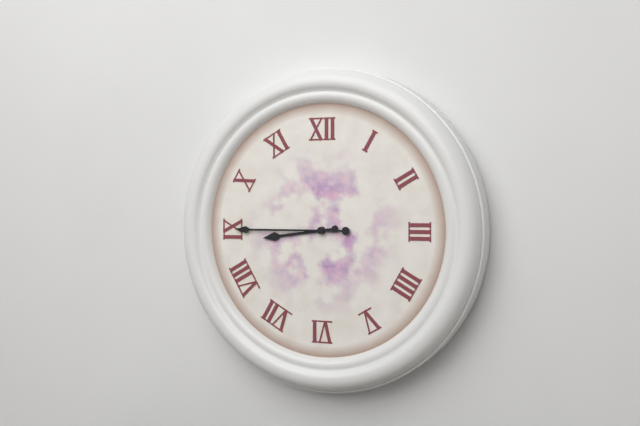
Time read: 8 h 45 min
